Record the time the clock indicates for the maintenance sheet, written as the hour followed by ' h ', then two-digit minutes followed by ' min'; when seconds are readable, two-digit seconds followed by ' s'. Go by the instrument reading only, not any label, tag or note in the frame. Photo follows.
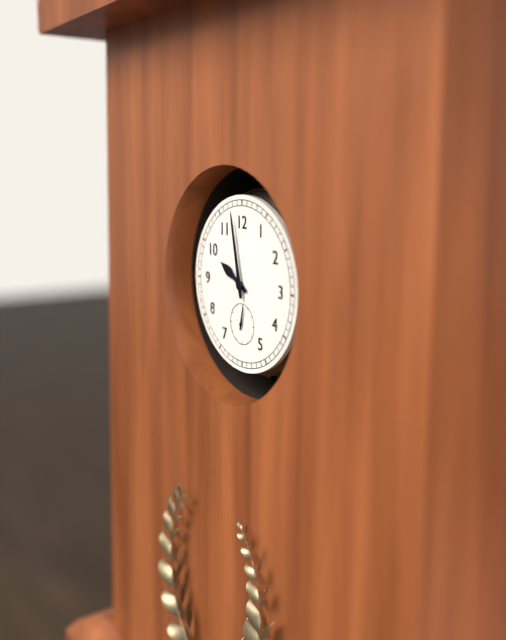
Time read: 9 h 58 min
